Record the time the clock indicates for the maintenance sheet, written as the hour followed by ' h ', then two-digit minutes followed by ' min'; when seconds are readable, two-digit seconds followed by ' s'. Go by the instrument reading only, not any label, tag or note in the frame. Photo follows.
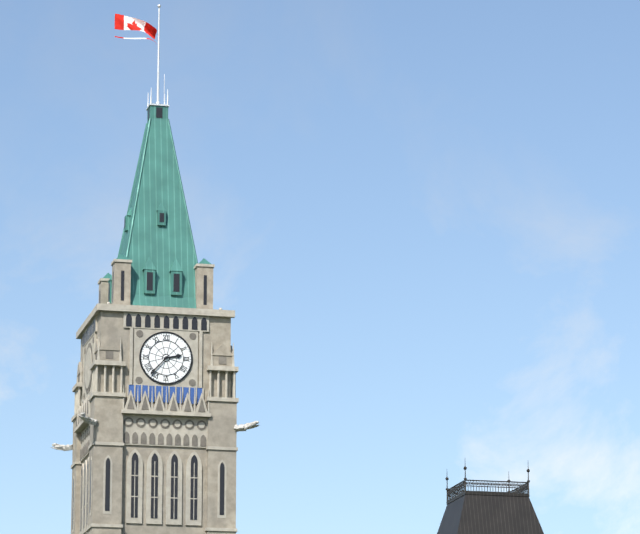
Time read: 2 h 37 min
